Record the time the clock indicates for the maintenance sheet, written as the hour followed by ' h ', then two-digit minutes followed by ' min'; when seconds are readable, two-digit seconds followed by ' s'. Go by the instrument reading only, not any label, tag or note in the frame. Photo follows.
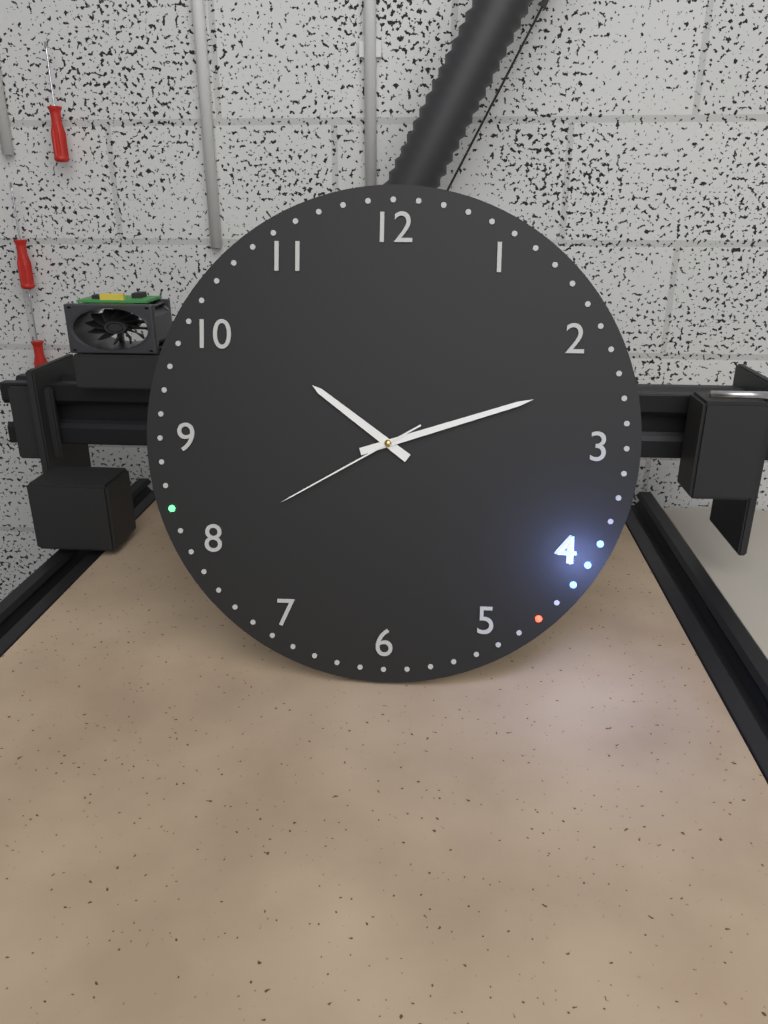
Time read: 10 h 12 min 40 s
